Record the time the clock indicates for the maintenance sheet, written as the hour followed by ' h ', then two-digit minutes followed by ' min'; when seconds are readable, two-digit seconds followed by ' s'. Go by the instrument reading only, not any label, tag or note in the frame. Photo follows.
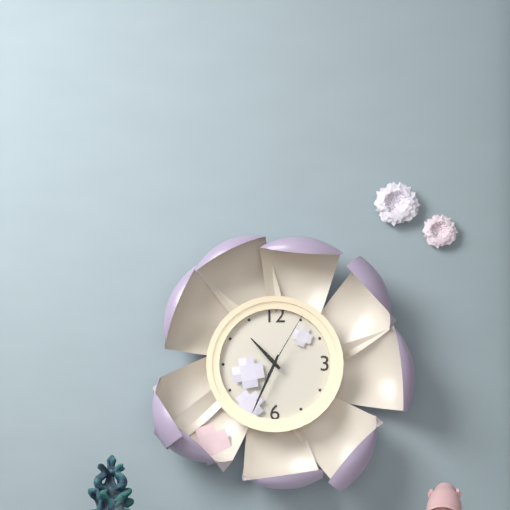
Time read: 10 h 34 min 05 s
